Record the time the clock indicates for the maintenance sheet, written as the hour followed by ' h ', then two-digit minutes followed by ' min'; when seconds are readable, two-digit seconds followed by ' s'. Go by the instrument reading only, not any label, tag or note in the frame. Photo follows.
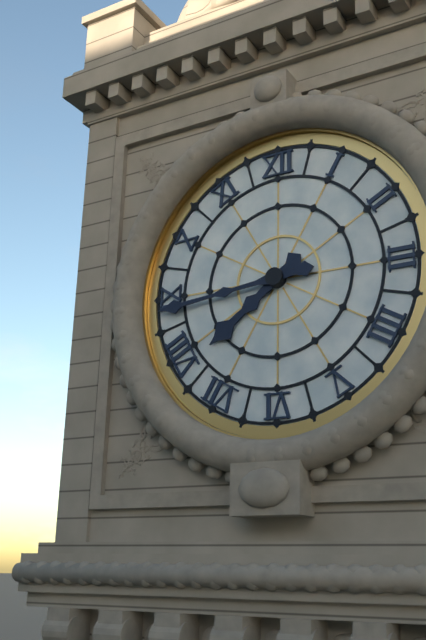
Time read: 7 h 44 min
